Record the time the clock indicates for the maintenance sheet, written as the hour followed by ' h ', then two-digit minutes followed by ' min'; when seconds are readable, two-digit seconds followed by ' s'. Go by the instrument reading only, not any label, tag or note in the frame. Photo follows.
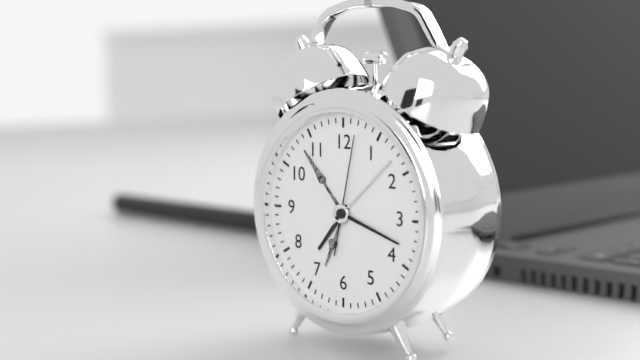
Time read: 7 h 18 min 02 s
